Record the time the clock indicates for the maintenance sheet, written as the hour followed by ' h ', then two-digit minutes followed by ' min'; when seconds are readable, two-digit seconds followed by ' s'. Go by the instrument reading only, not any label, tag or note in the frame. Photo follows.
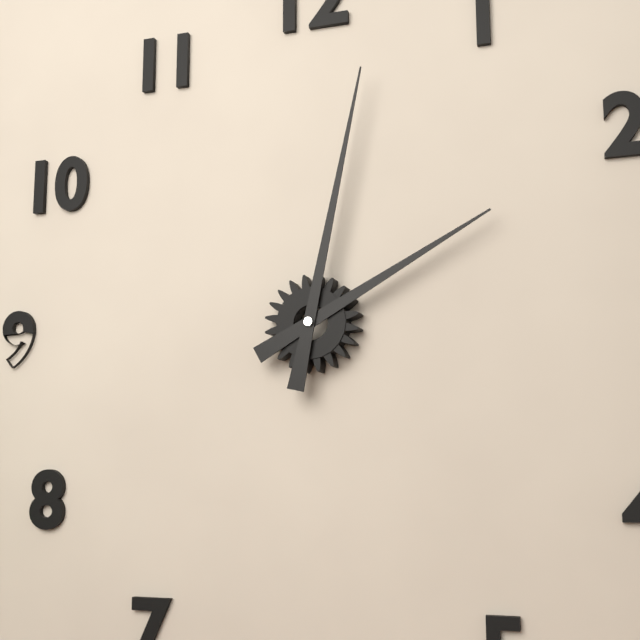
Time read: 2 h 02 min
